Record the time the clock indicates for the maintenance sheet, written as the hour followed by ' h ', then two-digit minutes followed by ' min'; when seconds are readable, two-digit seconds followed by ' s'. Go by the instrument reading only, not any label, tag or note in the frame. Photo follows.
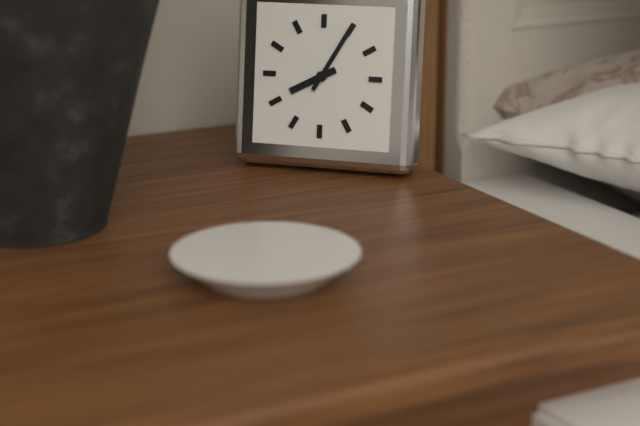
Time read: 8 h 05 min
